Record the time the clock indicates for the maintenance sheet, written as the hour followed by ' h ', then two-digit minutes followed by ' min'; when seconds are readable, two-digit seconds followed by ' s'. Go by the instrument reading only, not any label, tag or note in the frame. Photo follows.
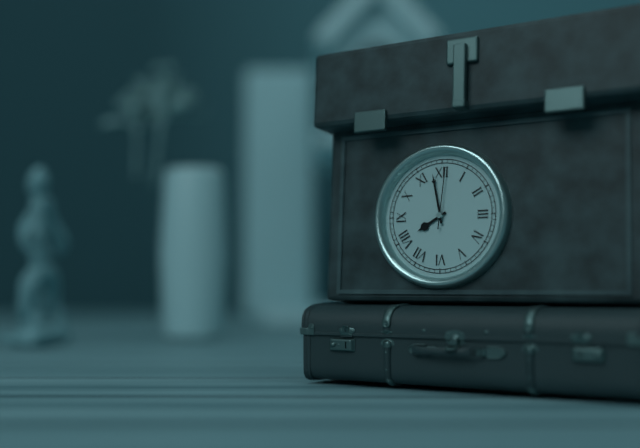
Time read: 7 h 58 min 01 s
